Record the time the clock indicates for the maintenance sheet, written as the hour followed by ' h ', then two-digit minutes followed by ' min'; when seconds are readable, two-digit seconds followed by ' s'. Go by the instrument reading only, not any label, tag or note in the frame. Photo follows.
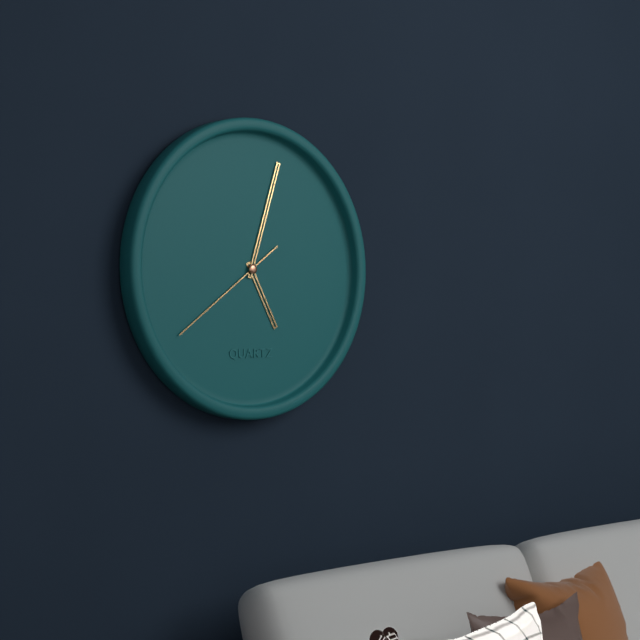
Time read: 5 h 03 min 39 s
